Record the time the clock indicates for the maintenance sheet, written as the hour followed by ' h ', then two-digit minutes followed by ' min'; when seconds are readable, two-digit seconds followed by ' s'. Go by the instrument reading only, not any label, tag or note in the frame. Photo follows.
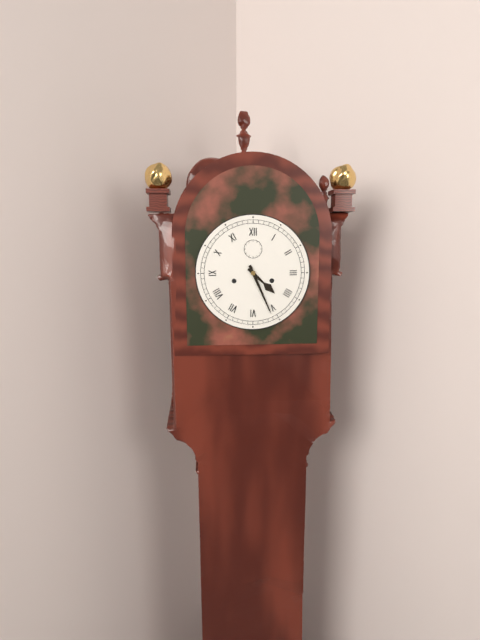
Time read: 4 h 26 min
